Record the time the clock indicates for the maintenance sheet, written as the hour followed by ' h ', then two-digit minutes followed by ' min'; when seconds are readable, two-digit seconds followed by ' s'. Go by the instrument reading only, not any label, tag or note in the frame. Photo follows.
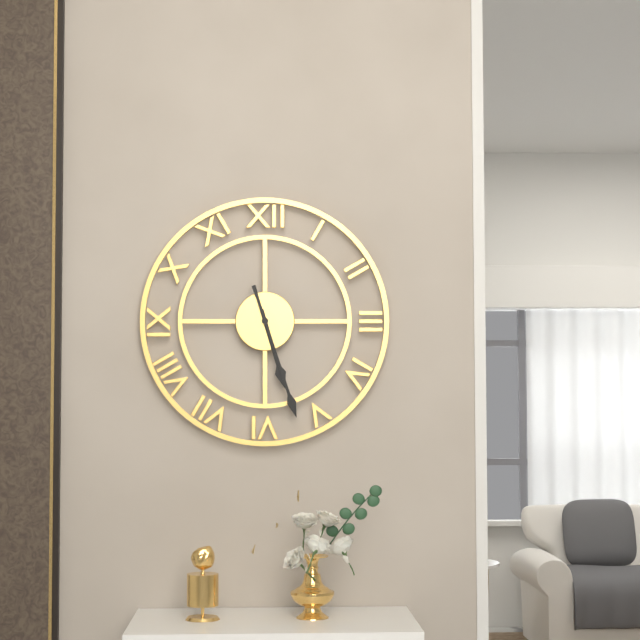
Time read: 5 h 27 min
